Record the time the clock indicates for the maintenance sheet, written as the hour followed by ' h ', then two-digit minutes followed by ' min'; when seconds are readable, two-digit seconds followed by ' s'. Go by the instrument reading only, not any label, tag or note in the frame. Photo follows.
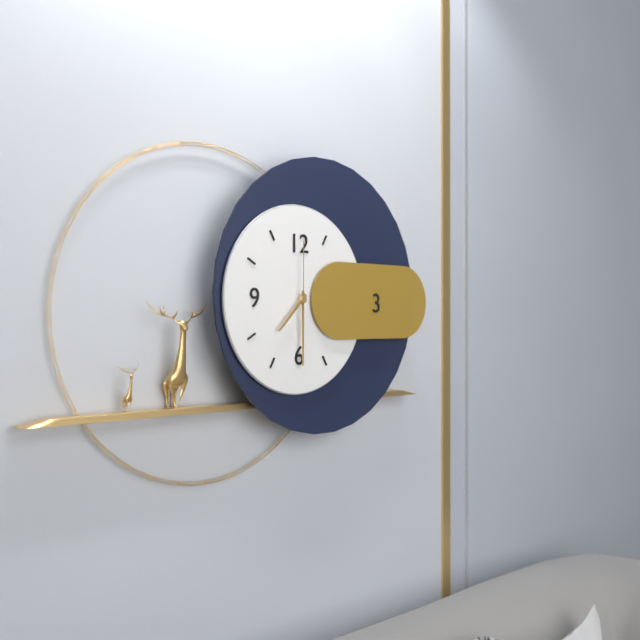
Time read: 7 h 30 min 00 s
